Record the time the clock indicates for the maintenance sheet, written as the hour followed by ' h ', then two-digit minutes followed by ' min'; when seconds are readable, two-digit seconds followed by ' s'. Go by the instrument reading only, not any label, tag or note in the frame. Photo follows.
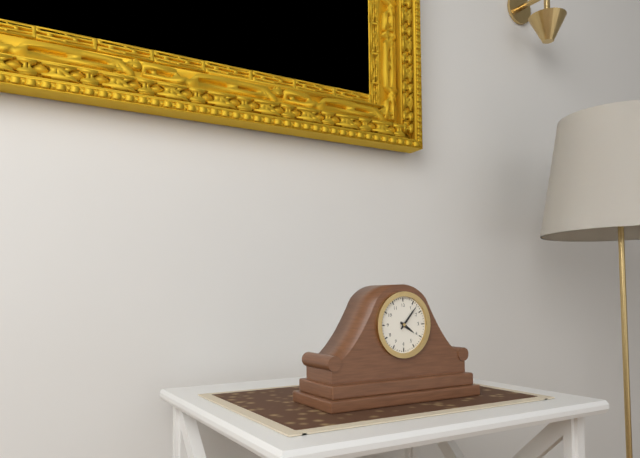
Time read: 4 h 07 min
